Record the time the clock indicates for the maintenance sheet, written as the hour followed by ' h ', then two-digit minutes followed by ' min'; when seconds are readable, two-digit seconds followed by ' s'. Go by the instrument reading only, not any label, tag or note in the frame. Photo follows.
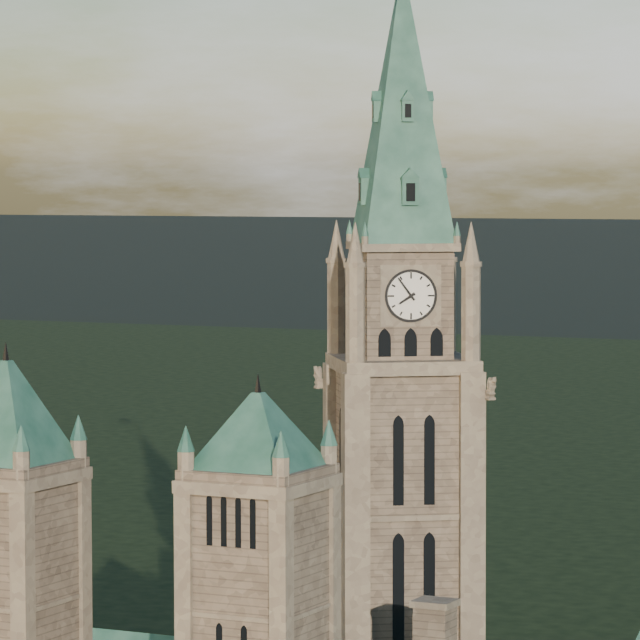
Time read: 7 h 54 min
